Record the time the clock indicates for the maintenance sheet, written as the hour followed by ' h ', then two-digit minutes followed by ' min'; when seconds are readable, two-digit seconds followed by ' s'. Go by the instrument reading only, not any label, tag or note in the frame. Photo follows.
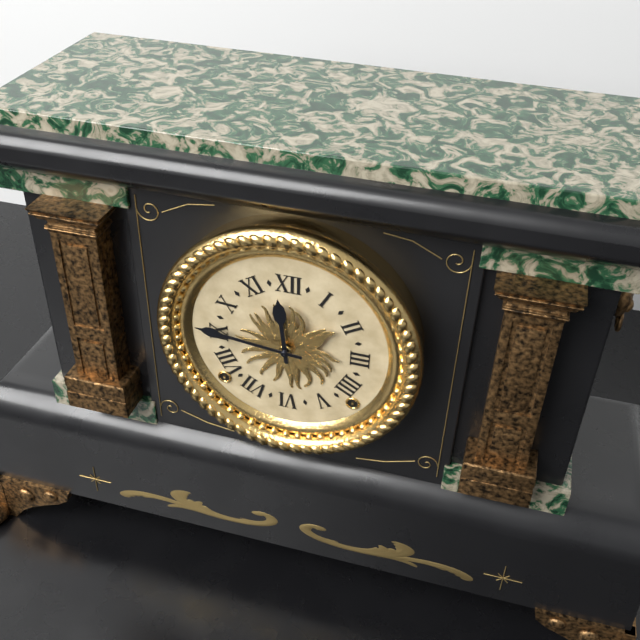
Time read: 11 h 46 min
